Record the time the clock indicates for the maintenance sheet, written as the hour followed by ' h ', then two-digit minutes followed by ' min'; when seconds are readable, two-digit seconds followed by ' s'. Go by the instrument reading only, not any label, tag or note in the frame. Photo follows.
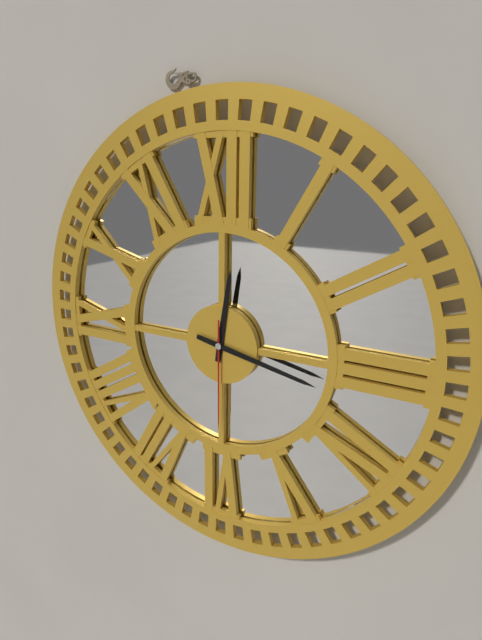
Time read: 12 h 17 min 30 s
